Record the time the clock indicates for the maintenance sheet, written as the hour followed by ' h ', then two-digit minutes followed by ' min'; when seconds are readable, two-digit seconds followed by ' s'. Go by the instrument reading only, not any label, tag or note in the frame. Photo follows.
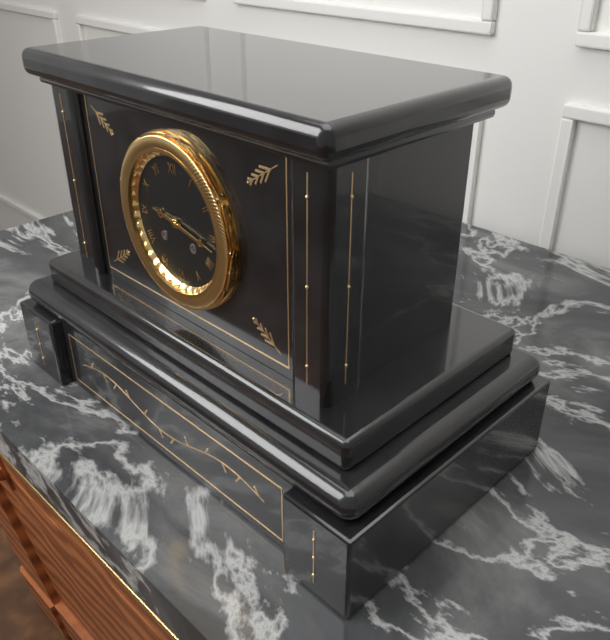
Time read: 9 h 17 min
